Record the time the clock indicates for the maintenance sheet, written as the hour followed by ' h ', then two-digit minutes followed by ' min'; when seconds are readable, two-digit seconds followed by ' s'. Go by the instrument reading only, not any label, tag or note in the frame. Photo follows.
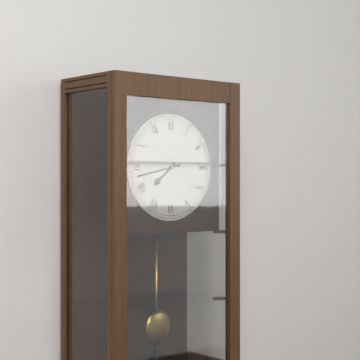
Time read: 7 h 43 min
